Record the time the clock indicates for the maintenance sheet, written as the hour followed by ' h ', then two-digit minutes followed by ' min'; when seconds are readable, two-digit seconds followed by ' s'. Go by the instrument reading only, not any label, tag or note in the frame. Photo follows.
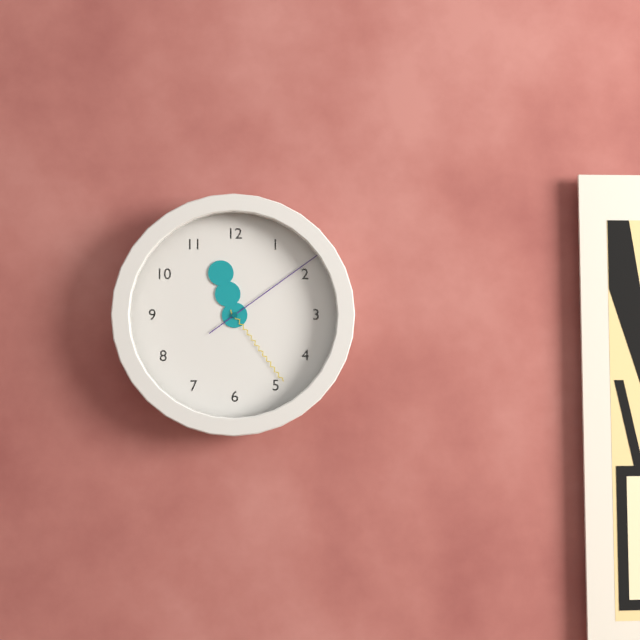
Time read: 11 h 24 min 09 s
